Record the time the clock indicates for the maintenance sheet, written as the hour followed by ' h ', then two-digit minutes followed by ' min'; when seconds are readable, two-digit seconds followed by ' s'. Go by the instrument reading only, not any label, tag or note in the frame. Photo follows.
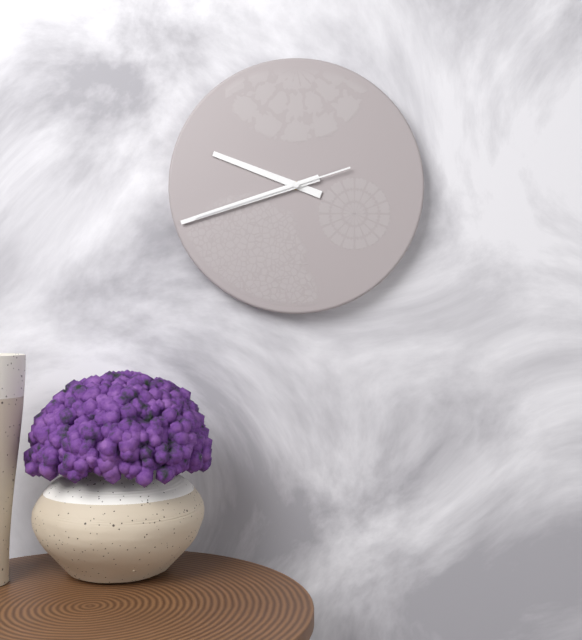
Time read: 9 h 42 min 42 s
